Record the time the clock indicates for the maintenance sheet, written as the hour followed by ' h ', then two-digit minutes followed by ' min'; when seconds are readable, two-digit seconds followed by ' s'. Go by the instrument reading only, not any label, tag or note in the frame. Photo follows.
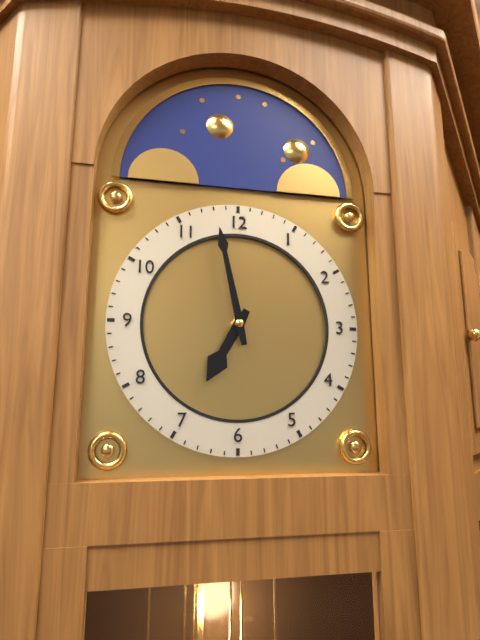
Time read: 6 h 58 min
